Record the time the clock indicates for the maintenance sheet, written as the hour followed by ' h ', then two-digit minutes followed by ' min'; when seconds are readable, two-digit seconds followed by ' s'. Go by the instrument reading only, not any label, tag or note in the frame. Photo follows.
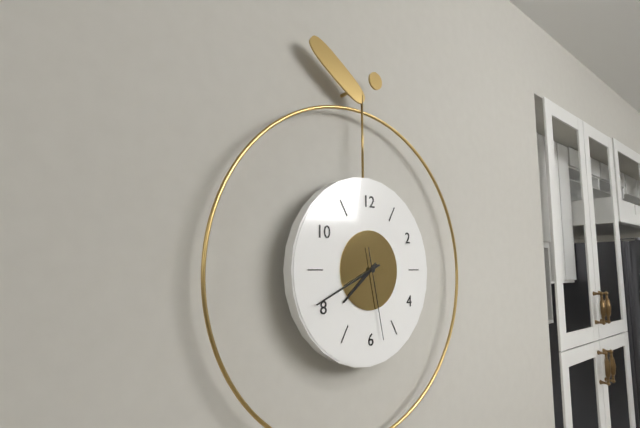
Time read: 7 h 41 min 28 s
